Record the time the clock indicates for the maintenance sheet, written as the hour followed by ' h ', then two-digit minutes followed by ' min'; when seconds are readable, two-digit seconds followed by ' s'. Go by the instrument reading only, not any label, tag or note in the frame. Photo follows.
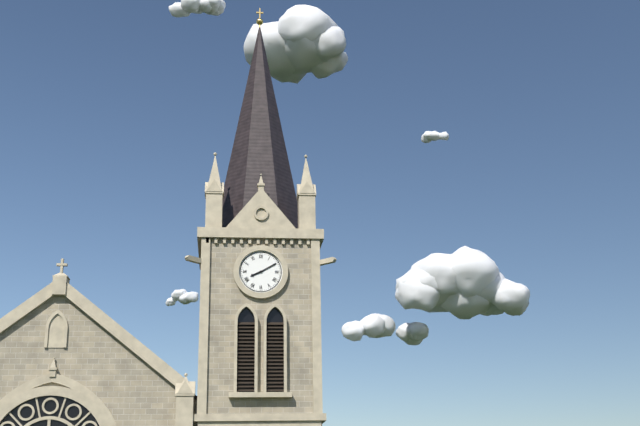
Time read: 8 h 10 min
